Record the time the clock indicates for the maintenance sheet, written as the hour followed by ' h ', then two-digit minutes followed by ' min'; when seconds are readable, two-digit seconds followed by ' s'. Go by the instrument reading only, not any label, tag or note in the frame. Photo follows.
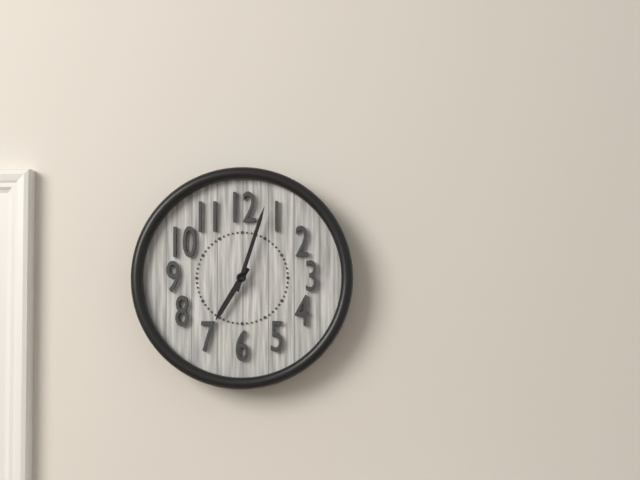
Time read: 7 h 03 min
